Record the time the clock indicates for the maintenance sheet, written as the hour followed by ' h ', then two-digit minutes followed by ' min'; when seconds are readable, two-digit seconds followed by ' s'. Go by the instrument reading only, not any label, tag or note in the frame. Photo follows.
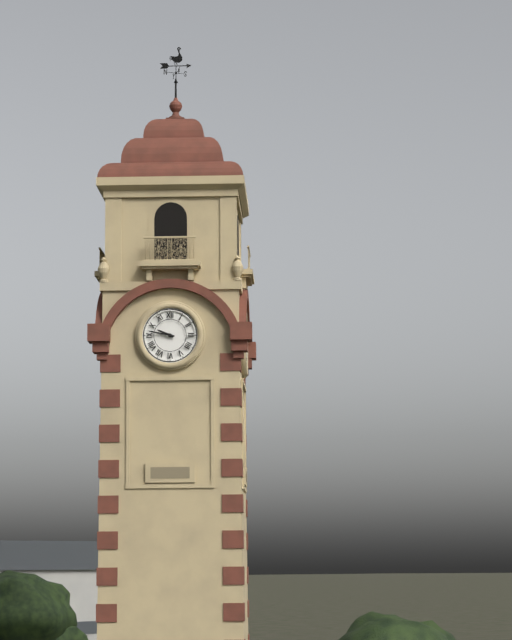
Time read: 9 h 47 min
